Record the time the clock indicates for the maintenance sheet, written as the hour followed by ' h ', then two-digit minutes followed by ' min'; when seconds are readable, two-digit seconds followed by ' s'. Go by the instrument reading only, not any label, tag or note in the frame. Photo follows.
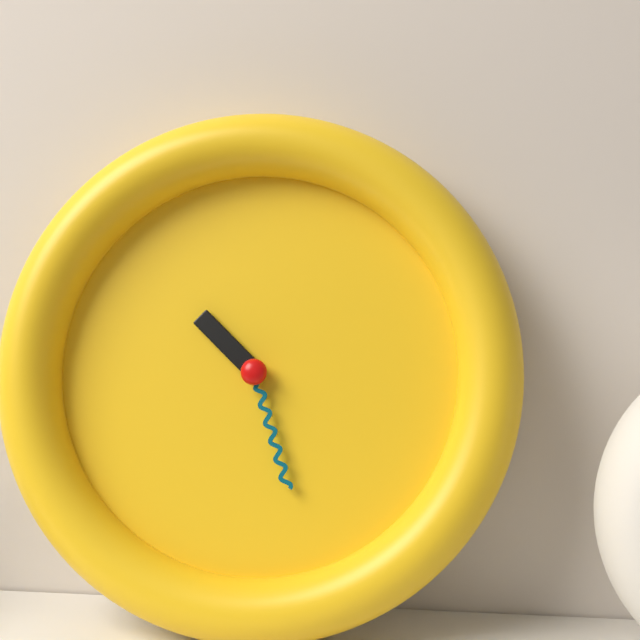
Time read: 10 h 27 min
